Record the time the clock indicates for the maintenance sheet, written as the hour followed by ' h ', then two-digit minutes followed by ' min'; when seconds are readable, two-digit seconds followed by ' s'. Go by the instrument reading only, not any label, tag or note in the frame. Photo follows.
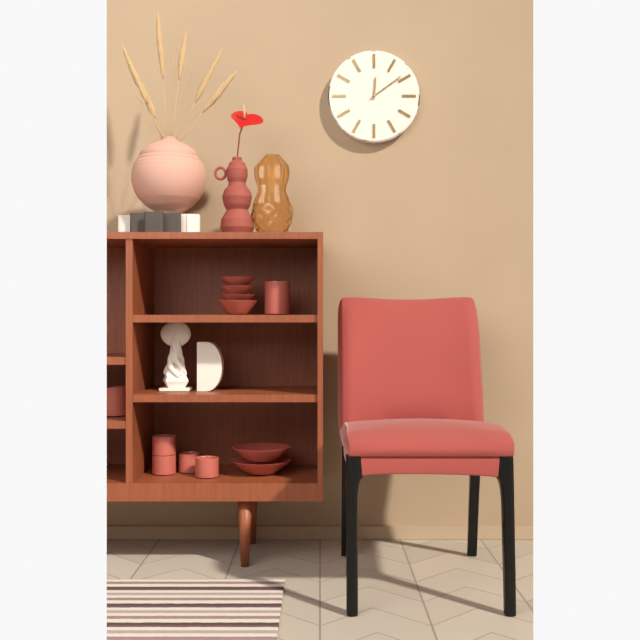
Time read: 12 h 09 min
